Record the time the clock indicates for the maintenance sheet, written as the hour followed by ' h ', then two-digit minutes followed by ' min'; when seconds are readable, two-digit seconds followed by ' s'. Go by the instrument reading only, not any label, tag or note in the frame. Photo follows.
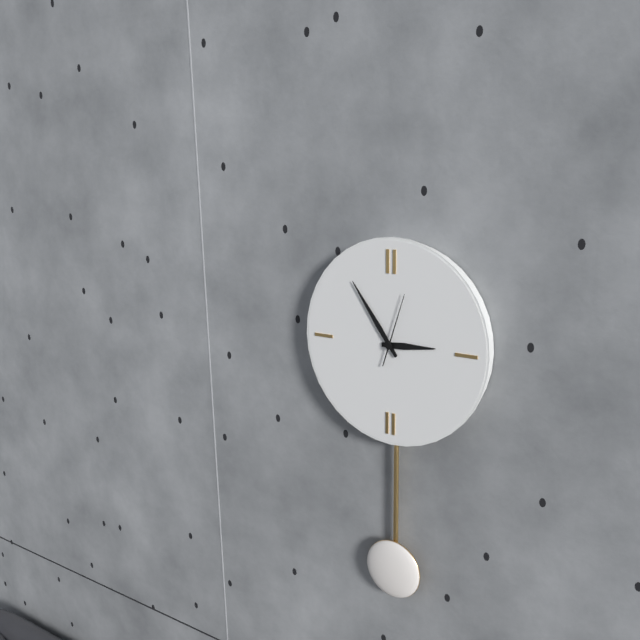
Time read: 2 h 54 min 03 s
